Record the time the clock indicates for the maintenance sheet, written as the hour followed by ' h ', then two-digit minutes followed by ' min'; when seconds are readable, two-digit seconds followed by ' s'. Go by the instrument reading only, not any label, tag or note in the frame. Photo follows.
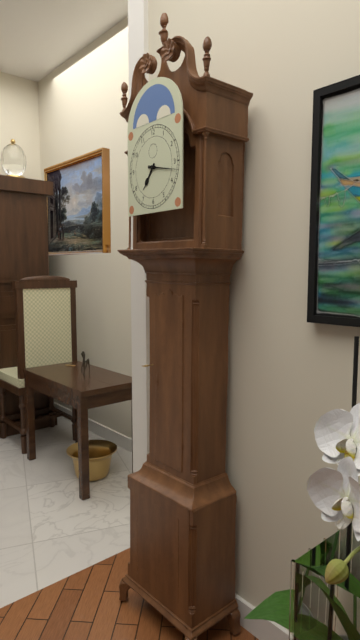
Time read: 7 h 17 min
